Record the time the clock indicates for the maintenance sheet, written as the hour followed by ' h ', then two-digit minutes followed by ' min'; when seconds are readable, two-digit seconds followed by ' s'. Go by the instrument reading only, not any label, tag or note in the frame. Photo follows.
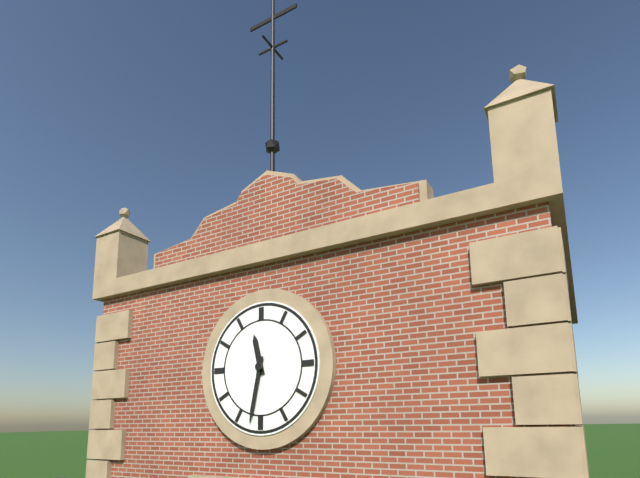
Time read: 11 h 32 min
